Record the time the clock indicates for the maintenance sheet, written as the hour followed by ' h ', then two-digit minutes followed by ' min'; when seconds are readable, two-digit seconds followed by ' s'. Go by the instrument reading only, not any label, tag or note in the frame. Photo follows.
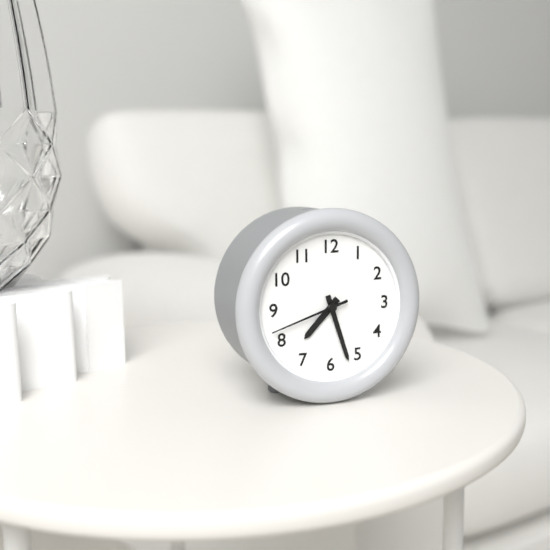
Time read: 7 h 27 min 42 s
